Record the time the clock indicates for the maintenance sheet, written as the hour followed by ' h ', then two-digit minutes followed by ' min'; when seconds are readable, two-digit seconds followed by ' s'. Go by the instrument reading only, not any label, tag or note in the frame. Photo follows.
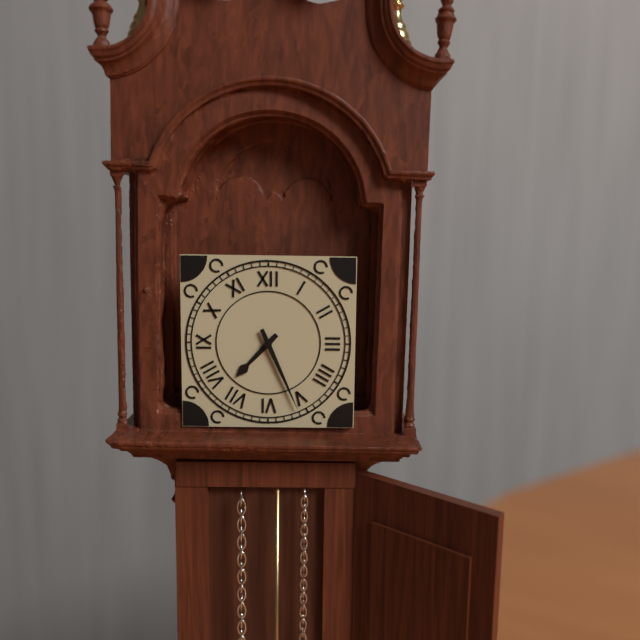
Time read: 7 h 26 min
